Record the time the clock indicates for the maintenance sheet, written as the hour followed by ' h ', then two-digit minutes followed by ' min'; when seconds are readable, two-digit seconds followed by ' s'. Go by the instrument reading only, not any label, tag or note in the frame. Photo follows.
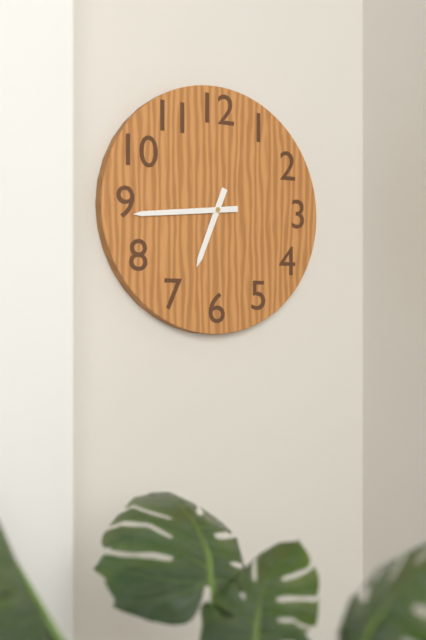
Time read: 6 h 44 min
